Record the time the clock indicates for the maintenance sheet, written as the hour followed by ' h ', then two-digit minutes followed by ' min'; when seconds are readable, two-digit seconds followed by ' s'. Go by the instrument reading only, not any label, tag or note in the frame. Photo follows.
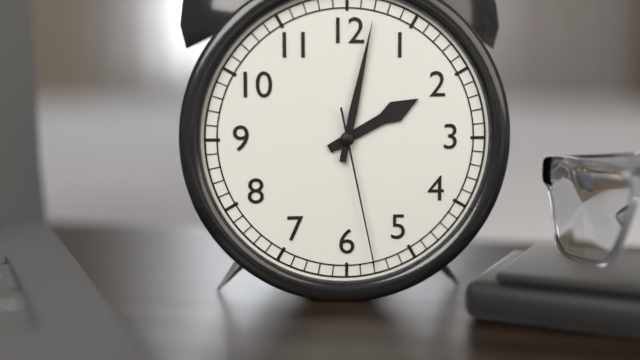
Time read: 2 h 02 min 28 s
